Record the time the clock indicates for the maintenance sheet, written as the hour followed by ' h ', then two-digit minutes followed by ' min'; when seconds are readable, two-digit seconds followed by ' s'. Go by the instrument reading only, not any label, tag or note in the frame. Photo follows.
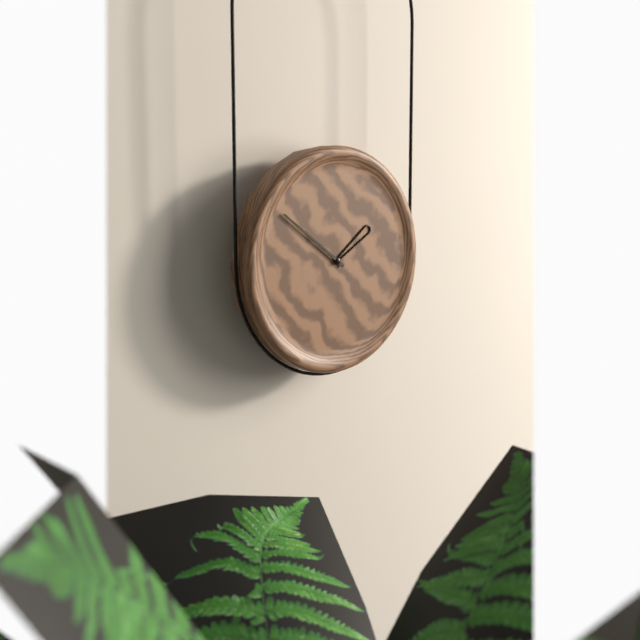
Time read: 1 h 51 min
